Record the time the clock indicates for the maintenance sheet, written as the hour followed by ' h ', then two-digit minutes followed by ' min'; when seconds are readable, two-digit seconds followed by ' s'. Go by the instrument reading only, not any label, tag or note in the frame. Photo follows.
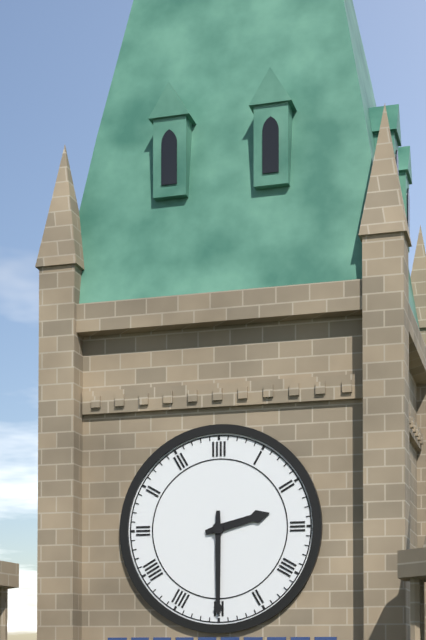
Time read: 2 h 30 min
